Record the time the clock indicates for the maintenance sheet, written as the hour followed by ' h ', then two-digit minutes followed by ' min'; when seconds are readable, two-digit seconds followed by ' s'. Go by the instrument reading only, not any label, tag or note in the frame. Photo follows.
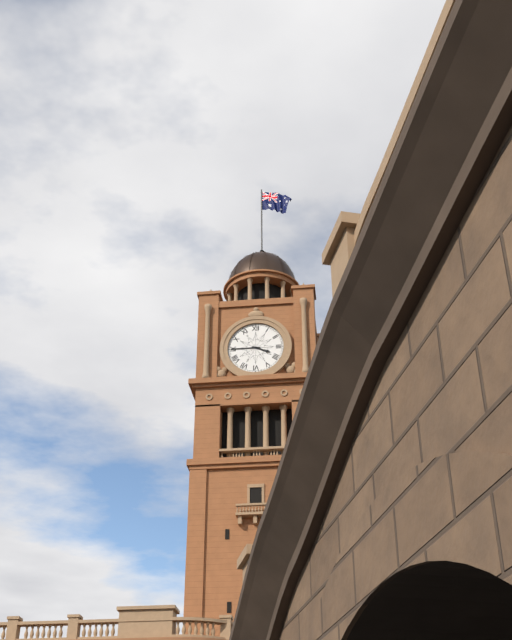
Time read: 3 h 45 min
